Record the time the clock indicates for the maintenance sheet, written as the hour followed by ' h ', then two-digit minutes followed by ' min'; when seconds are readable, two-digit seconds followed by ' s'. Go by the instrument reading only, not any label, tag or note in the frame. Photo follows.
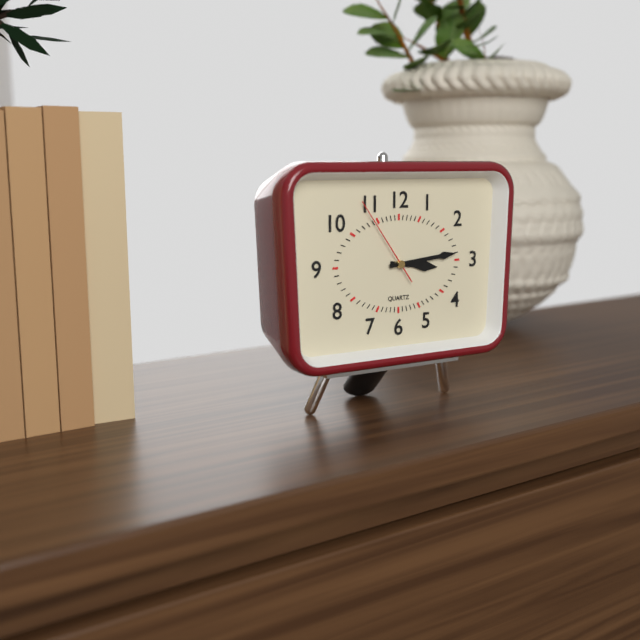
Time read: 3 h 14 min 54 s
